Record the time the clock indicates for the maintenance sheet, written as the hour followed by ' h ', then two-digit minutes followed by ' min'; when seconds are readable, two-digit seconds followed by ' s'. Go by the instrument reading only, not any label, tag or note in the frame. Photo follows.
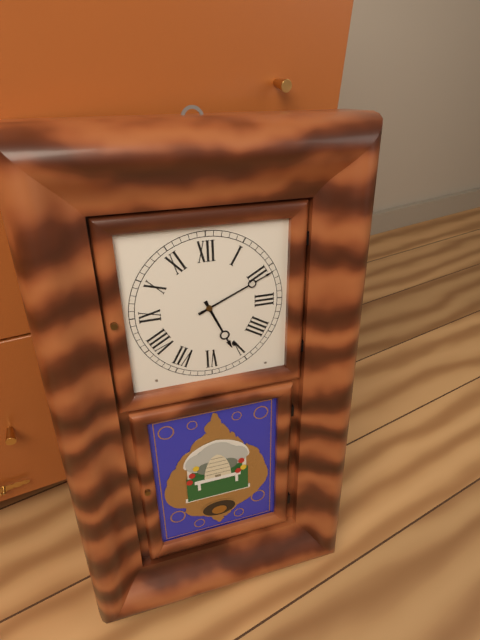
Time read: 5 h 11 min
